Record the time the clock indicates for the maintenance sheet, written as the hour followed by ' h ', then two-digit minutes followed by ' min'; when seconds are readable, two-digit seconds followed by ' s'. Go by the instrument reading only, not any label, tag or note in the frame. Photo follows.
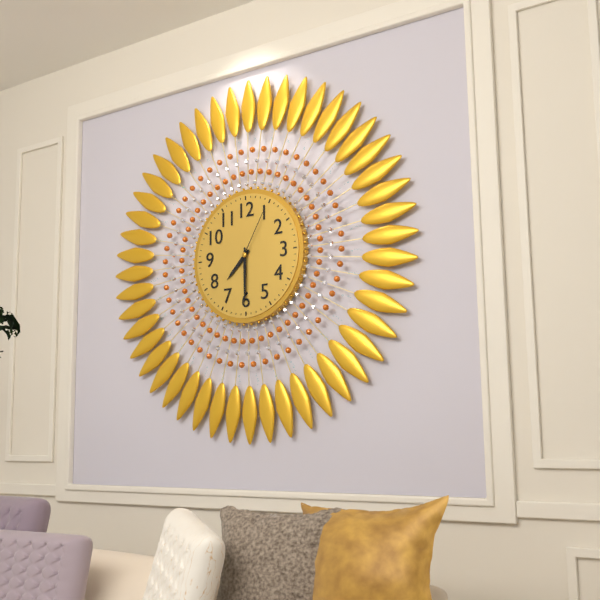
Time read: 7 h 30 min 05 s
